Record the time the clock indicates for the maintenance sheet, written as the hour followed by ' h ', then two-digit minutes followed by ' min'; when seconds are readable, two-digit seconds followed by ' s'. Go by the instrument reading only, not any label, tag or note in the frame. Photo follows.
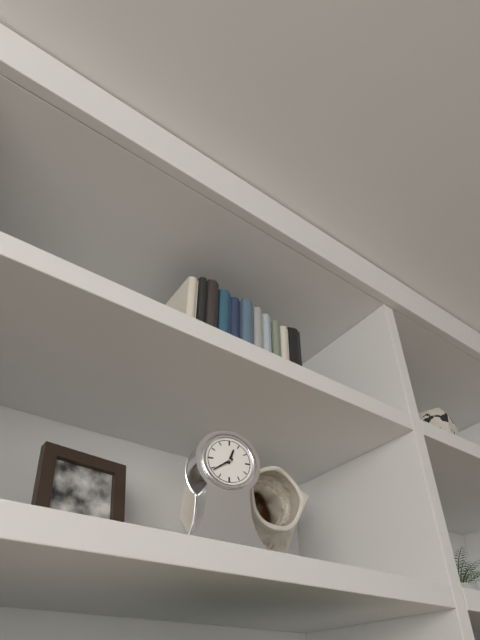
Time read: 12 h 39 min
